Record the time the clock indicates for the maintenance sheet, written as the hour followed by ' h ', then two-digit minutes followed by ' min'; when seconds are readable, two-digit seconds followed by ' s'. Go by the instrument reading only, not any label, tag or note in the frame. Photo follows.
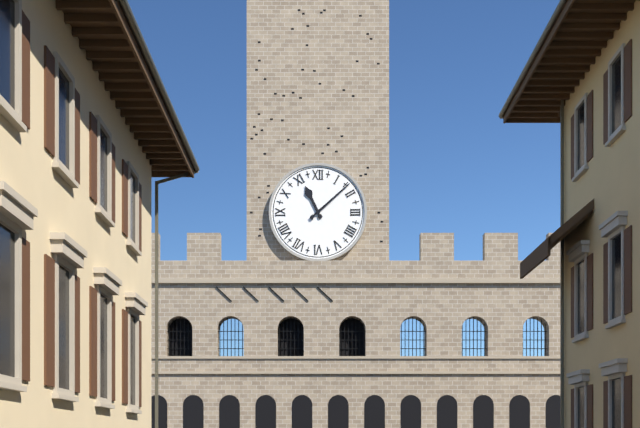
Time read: 11 h 08 min
